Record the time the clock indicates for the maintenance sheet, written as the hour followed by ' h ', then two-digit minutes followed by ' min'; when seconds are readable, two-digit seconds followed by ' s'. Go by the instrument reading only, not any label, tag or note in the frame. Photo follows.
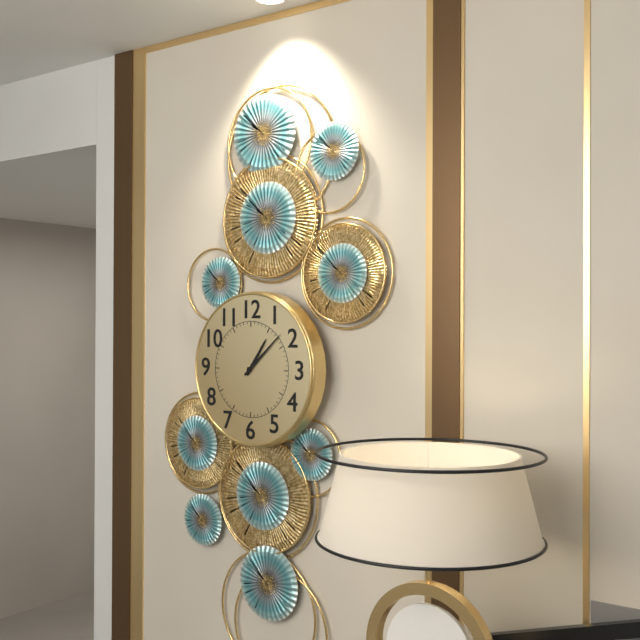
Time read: 1 h 08 min
